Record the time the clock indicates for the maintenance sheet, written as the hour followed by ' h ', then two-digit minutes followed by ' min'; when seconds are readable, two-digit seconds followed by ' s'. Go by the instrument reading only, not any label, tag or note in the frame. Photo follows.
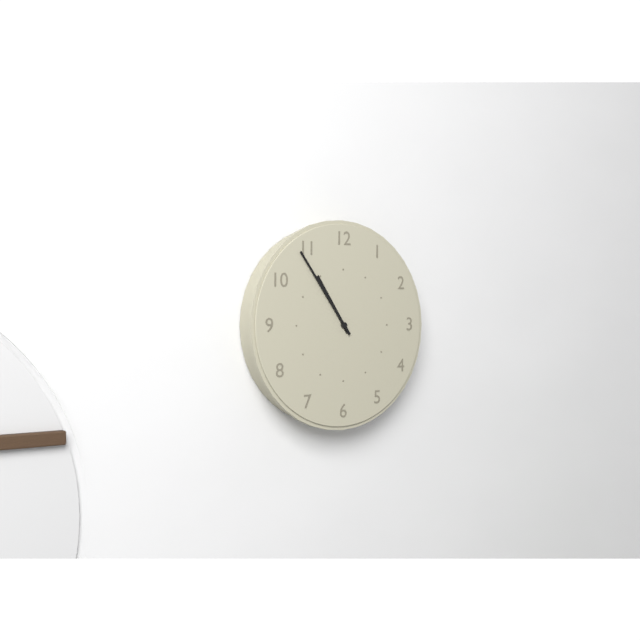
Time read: 10 h 54 min
